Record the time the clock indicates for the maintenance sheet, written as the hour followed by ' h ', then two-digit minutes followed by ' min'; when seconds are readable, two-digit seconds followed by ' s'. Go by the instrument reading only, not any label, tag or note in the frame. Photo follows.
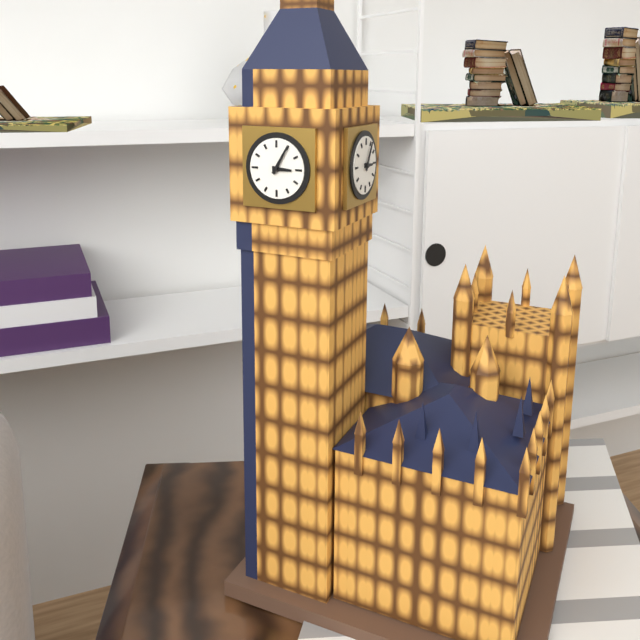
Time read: 3 h 05 min
